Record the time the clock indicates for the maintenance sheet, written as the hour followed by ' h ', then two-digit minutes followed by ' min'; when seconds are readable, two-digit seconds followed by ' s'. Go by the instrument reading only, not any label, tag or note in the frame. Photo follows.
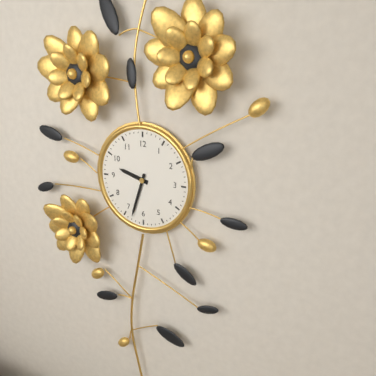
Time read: 9 h 33 min
